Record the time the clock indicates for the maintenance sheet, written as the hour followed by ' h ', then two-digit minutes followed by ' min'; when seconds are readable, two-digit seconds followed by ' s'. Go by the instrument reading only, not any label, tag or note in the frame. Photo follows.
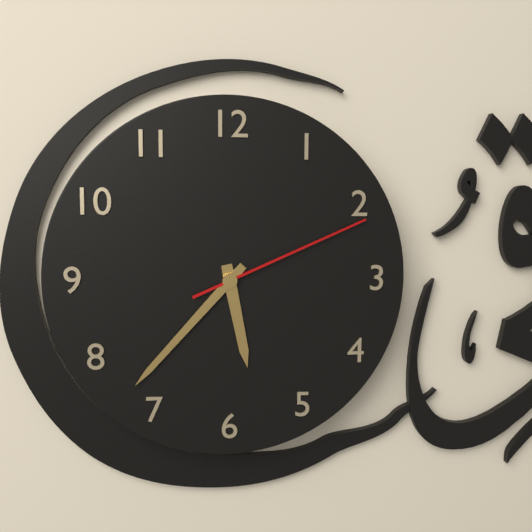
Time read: 5 h 37 min 11 s
